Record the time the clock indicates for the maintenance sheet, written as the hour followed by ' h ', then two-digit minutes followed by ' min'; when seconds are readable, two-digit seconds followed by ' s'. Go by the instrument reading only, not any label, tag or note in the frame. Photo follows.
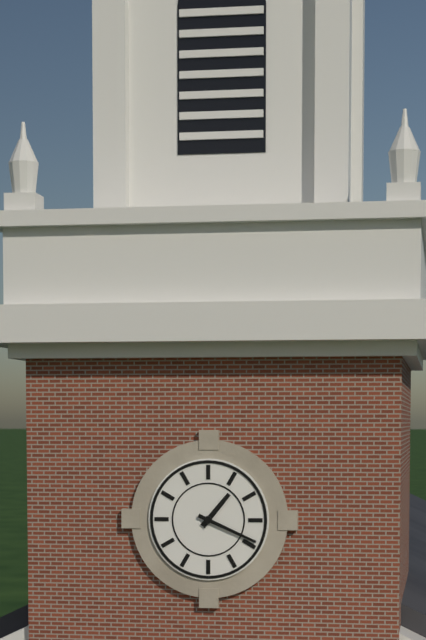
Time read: 1 h 19 min
